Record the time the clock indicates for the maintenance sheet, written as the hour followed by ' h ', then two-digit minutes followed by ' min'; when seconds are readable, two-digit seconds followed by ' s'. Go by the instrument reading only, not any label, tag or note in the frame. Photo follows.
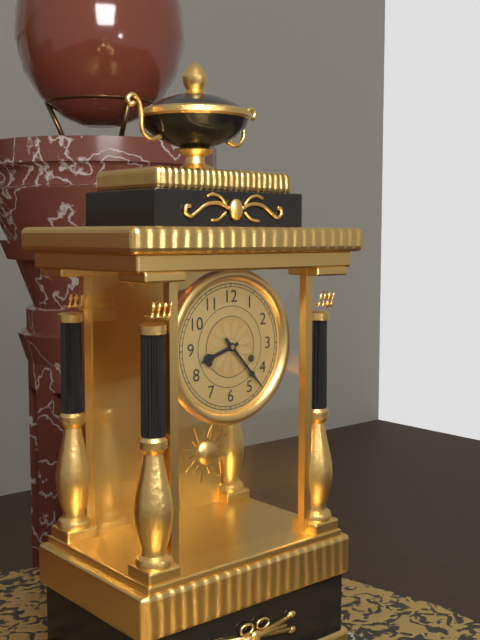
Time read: 8 h 23 min
